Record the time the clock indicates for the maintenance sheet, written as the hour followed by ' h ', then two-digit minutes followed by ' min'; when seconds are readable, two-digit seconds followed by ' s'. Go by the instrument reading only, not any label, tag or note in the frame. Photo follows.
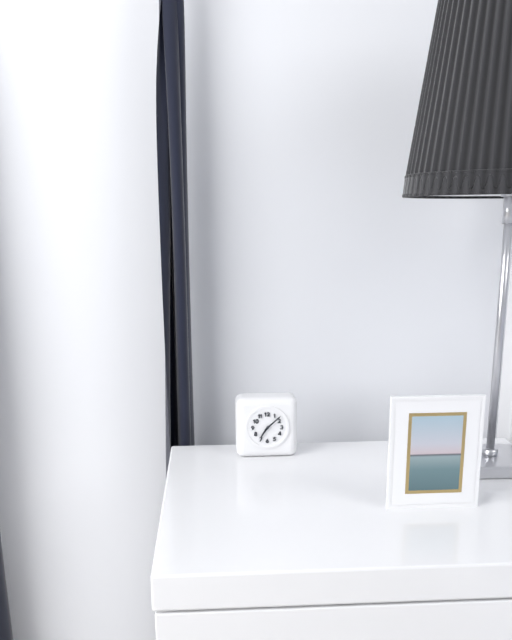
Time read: 7 h 08 min
